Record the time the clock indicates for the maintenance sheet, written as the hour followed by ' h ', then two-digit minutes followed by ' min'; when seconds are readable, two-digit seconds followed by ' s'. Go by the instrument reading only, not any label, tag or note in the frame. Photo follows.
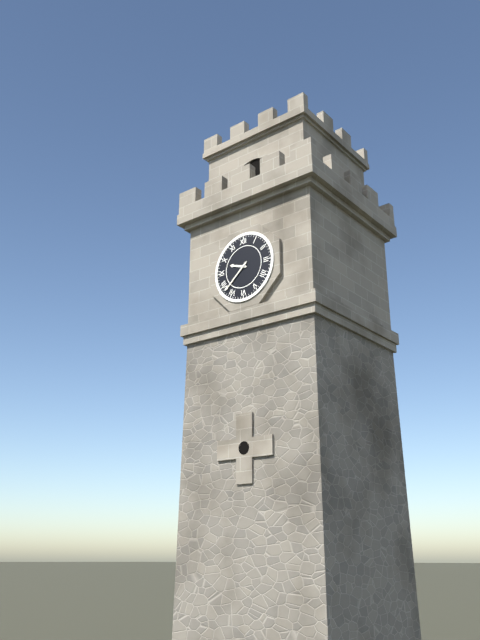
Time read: 9 h 38 min
